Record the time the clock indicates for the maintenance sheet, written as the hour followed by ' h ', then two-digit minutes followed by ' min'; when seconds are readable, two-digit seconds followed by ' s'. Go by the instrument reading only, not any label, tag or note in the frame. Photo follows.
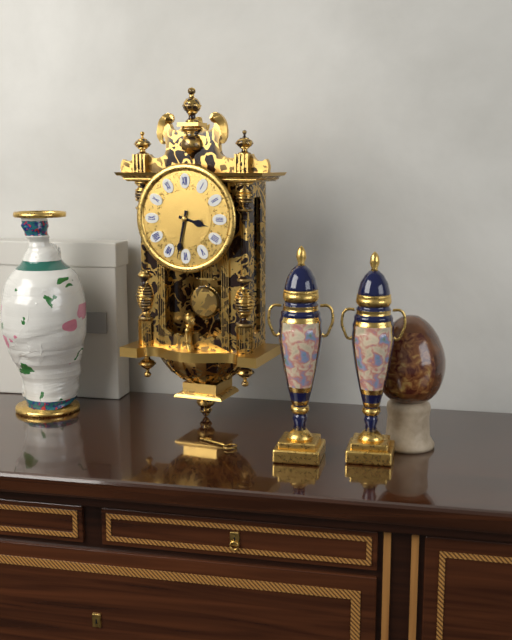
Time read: 3 h 32 min
